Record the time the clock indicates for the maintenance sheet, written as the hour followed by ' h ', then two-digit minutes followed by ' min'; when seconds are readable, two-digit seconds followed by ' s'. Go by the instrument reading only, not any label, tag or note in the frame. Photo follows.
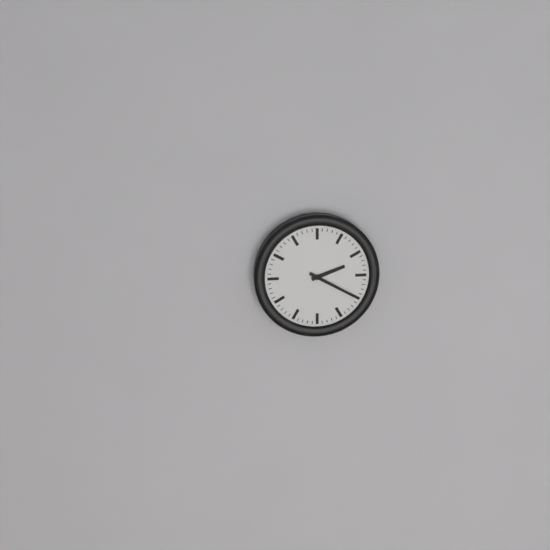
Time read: 2 h 20 min
